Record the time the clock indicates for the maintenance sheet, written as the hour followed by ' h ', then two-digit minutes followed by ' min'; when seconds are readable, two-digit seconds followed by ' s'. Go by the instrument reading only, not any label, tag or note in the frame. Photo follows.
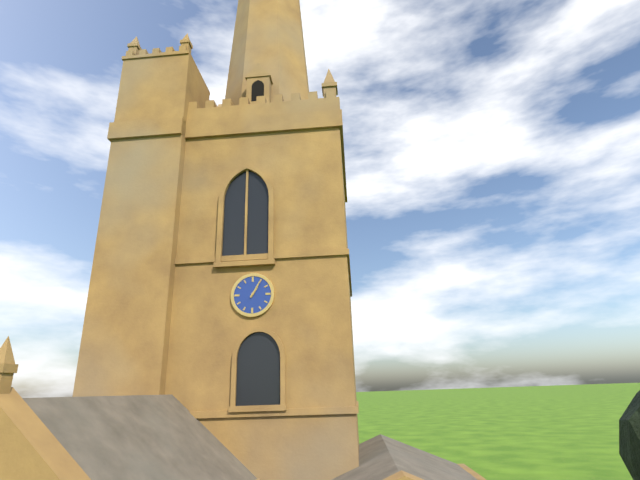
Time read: 1 h 05 min
